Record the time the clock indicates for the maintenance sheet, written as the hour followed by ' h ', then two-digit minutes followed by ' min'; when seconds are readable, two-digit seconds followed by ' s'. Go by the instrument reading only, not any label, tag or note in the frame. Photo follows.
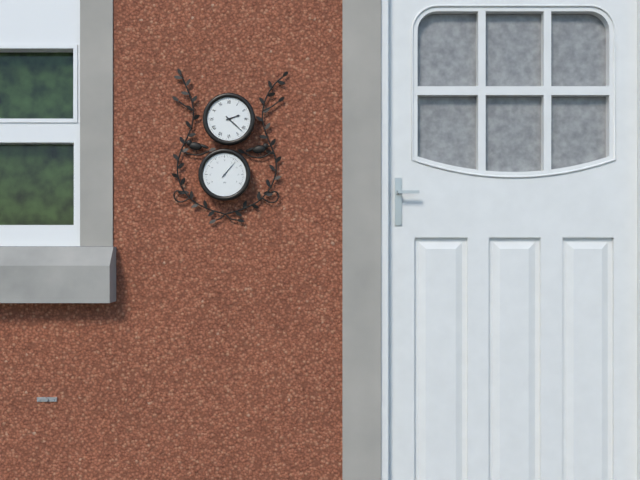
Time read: 2 h 22 min
